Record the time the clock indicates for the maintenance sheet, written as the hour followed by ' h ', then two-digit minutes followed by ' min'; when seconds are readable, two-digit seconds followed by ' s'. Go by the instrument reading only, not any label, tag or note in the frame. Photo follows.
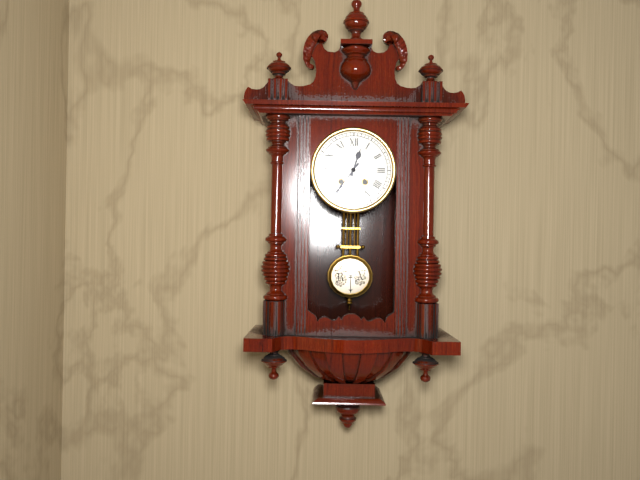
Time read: 12 h 36 min
